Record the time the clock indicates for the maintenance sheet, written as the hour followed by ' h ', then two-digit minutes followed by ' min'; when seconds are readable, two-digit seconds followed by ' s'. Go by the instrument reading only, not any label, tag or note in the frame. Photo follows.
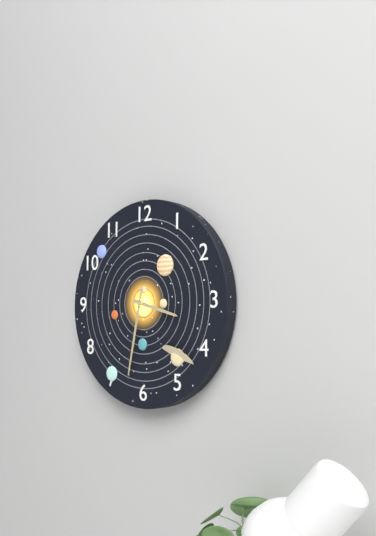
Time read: 3 h 32 min
